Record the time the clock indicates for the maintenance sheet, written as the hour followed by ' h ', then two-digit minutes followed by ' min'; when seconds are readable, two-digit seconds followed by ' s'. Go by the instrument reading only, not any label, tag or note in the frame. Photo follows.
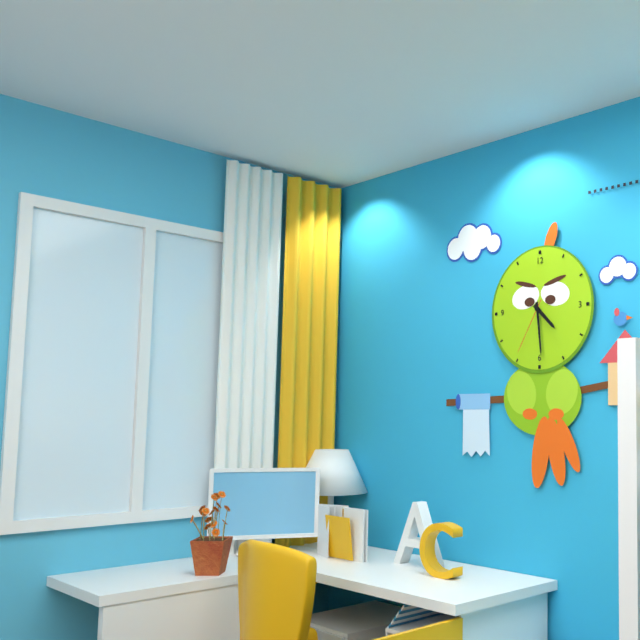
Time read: 4 h 29 min 35 s
